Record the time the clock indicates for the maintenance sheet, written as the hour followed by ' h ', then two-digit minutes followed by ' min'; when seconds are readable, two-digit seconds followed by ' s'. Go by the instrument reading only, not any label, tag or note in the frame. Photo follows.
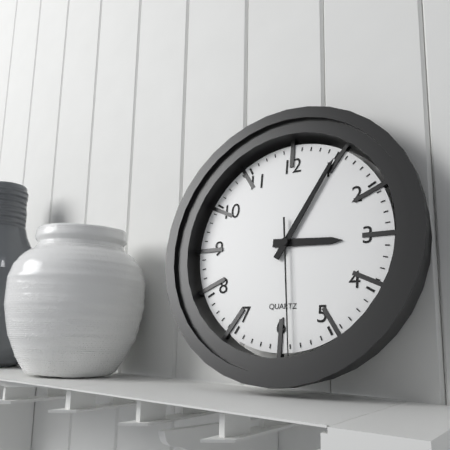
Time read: 3 h 05 min 29 s
